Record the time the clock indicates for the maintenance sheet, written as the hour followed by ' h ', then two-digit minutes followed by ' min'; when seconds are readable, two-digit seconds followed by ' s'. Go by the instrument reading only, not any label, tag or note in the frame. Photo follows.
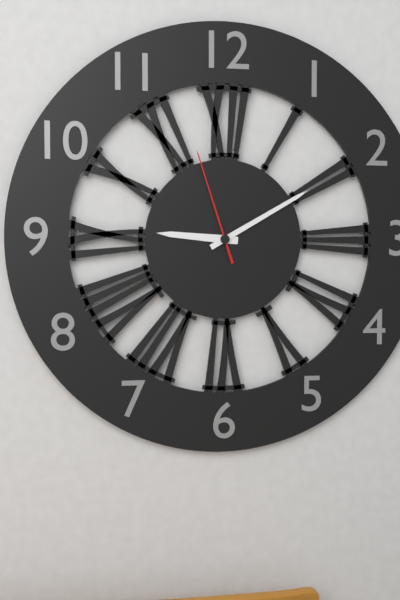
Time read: 9 h 10 min 57 s
